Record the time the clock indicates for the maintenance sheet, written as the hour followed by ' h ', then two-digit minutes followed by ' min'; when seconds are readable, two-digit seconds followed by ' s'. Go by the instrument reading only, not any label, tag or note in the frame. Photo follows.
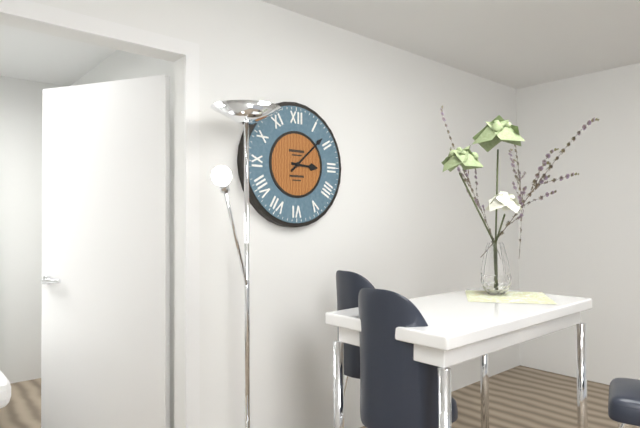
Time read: 3 h 08 min
